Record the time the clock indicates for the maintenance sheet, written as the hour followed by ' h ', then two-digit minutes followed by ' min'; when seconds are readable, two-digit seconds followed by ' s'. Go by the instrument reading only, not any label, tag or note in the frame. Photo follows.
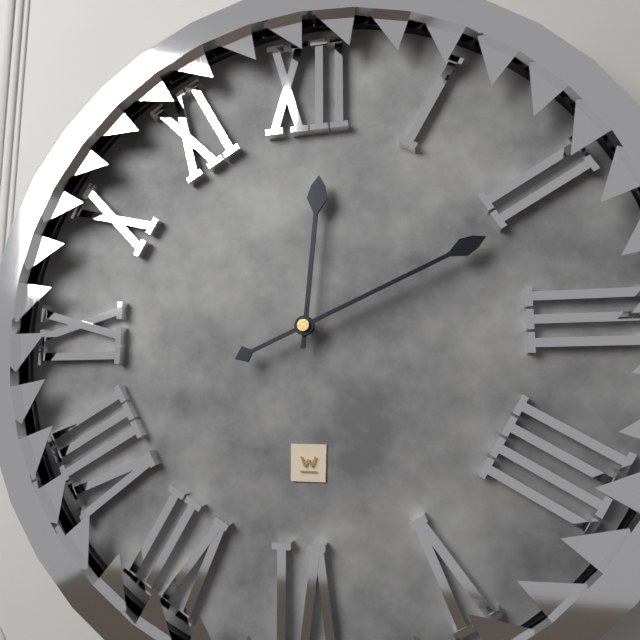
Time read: 12 h 11 min
